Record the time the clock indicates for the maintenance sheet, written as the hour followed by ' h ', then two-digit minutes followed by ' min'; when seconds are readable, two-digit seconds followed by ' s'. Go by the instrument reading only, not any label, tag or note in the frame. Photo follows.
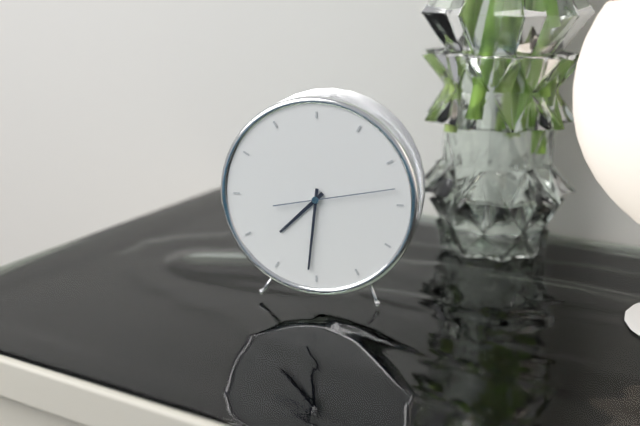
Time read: 7 h 31 min 13 s
